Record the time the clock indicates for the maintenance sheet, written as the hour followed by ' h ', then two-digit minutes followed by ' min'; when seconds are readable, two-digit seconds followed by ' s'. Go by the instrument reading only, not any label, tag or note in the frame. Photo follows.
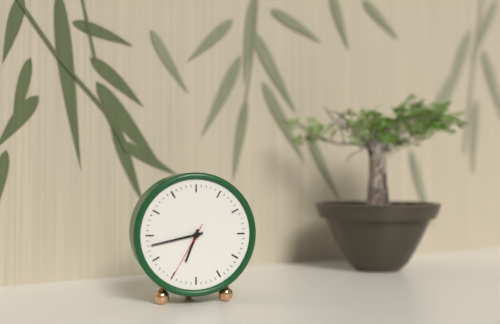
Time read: 6 h 43 min 35 s
